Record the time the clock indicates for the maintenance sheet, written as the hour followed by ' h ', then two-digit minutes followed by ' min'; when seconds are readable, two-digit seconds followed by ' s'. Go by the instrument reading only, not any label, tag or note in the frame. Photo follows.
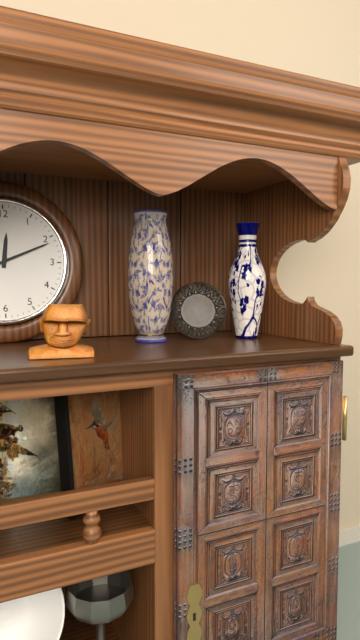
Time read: 12 h 11 min
